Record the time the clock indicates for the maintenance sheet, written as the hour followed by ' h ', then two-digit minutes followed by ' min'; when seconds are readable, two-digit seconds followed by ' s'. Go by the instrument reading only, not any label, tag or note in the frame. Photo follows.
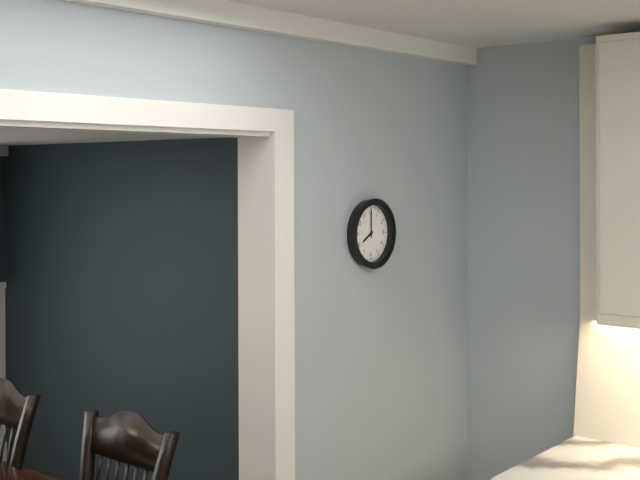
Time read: 8 h 00 min
